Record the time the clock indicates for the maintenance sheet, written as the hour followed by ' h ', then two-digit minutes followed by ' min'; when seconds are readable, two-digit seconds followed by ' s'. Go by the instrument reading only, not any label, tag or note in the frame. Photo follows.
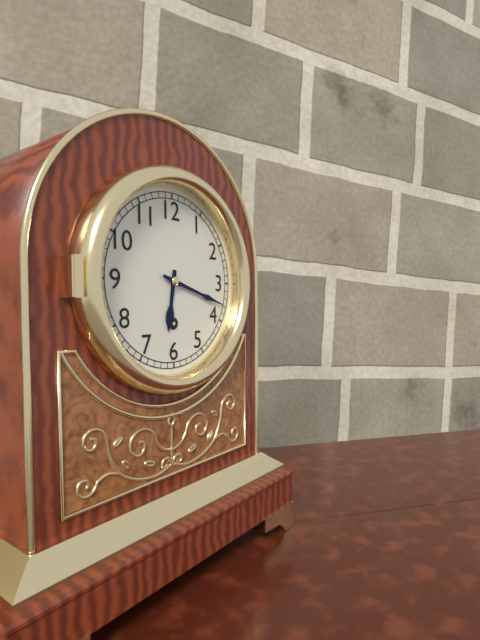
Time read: 6 h 18 min
